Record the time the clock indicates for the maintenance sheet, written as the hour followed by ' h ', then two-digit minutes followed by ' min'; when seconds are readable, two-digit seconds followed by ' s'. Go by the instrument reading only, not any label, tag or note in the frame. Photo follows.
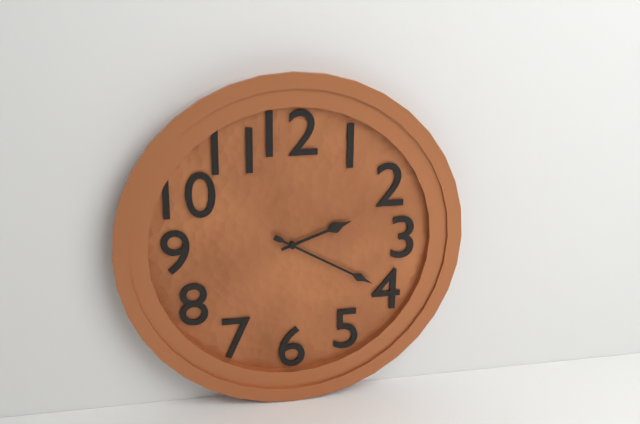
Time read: 2 h 20 min
